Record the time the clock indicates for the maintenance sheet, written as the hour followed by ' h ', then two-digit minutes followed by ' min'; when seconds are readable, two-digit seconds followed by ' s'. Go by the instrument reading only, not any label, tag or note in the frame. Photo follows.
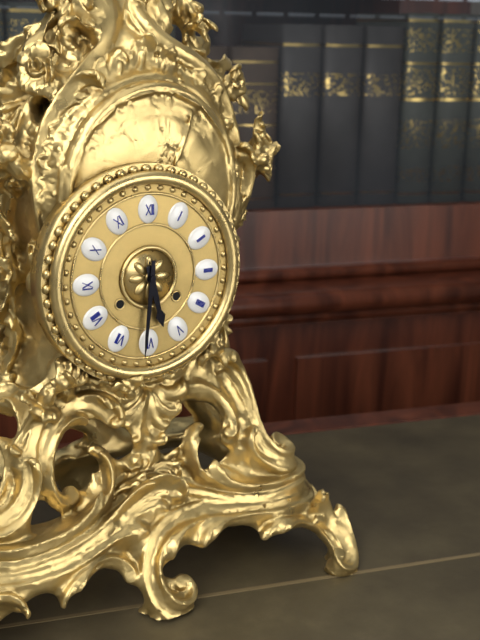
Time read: 5 h 31 min
